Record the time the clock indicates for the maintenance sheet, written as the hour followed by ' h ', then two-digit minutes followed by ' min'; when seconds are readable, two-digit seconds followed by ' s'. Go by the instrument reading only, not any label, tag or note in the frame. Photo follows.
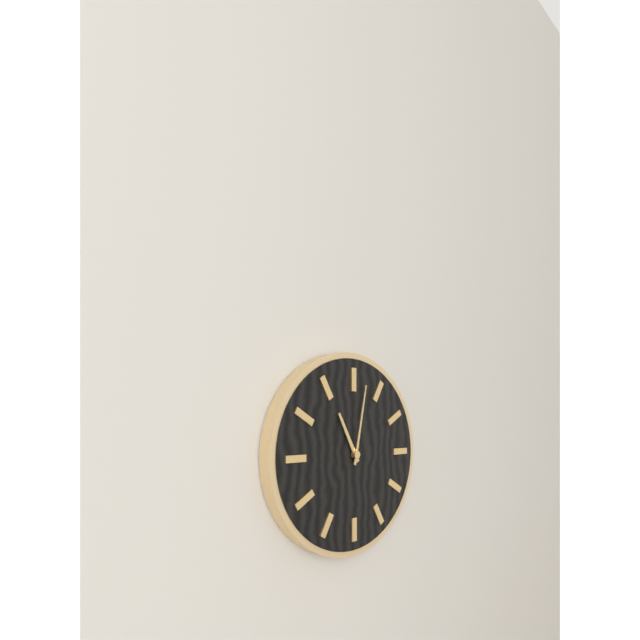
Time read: 11 h 02 min
